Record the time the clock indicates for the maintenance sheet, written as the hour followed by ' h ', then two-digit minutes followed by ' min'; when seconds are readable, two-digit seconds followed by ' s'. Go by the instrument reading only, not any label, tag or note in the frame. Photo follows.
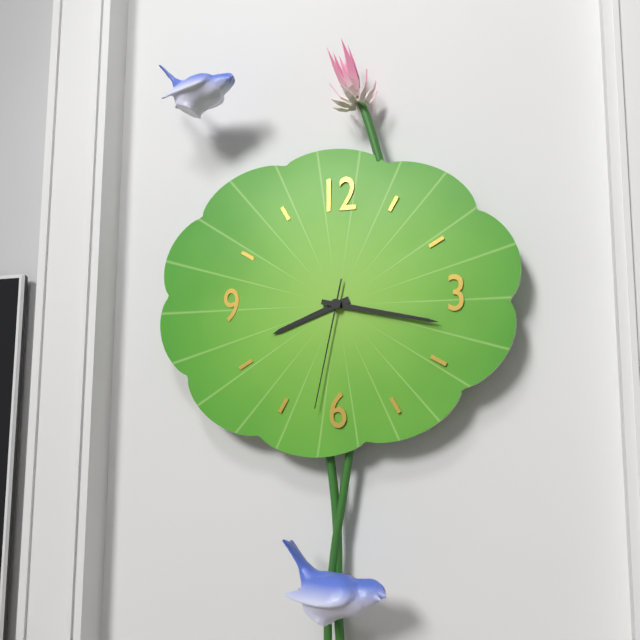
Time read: 8 h 17 min 32 s
